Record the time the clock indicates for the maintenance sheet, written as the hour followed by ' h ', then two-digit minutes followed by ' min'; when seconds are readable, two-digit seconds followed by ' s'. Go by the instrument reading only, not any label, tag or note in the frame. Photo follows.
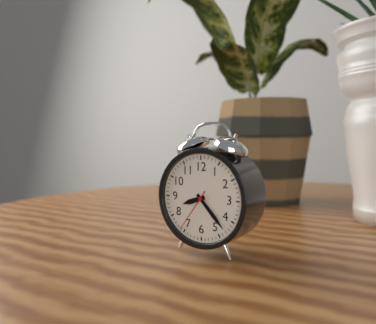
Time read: 8 h 23 min 36 s
